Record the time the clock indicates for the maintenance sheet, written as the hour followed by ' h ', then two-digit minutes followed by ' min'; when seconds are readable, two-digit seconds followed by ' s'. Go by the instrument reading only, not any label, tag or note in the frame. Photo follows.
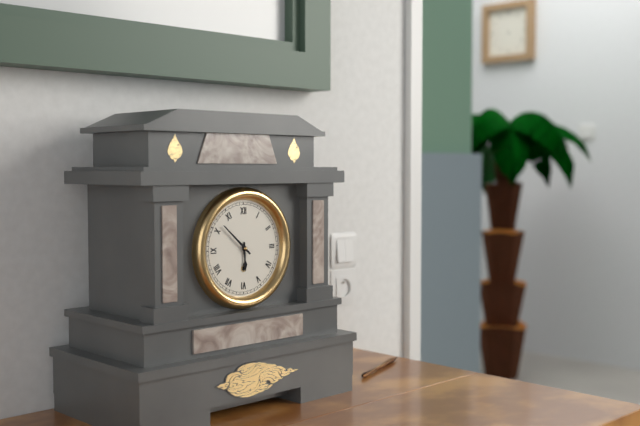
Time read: 5 h 52 min
